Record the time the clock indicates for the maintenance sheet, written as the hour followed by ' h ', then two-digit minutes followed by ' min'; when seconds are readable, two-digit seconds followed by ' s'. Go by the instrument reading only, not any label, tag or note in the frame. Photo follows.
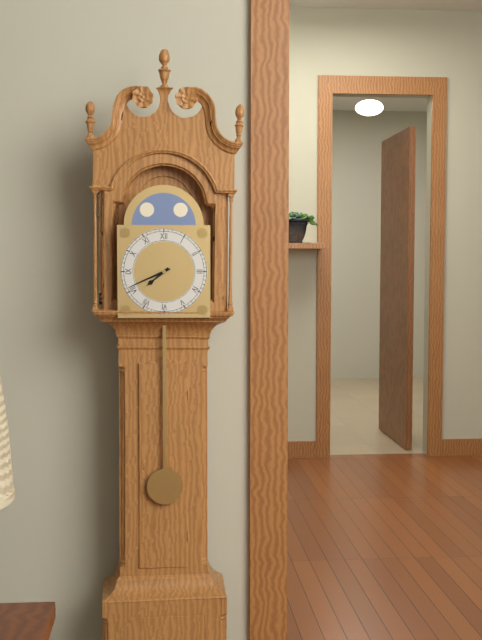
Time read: 7 h 41 min
